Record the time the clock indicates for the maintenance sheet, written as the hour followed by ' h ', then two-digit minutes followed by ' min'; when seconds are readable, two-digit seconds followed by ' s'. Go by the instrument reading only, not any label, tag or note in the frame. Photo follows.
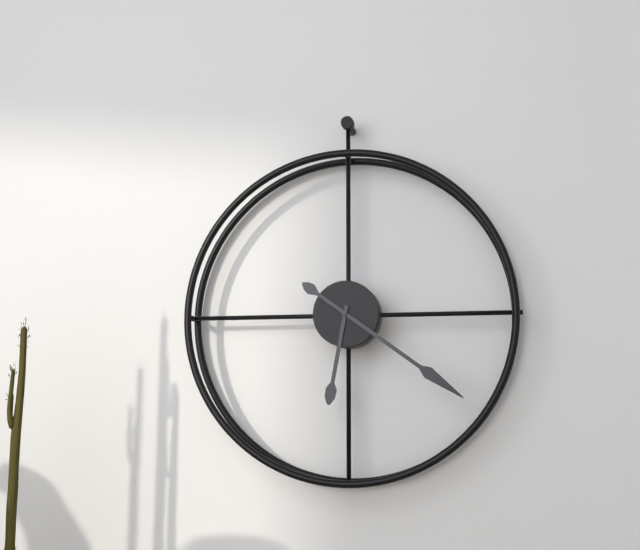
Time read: 6 h 21 min
